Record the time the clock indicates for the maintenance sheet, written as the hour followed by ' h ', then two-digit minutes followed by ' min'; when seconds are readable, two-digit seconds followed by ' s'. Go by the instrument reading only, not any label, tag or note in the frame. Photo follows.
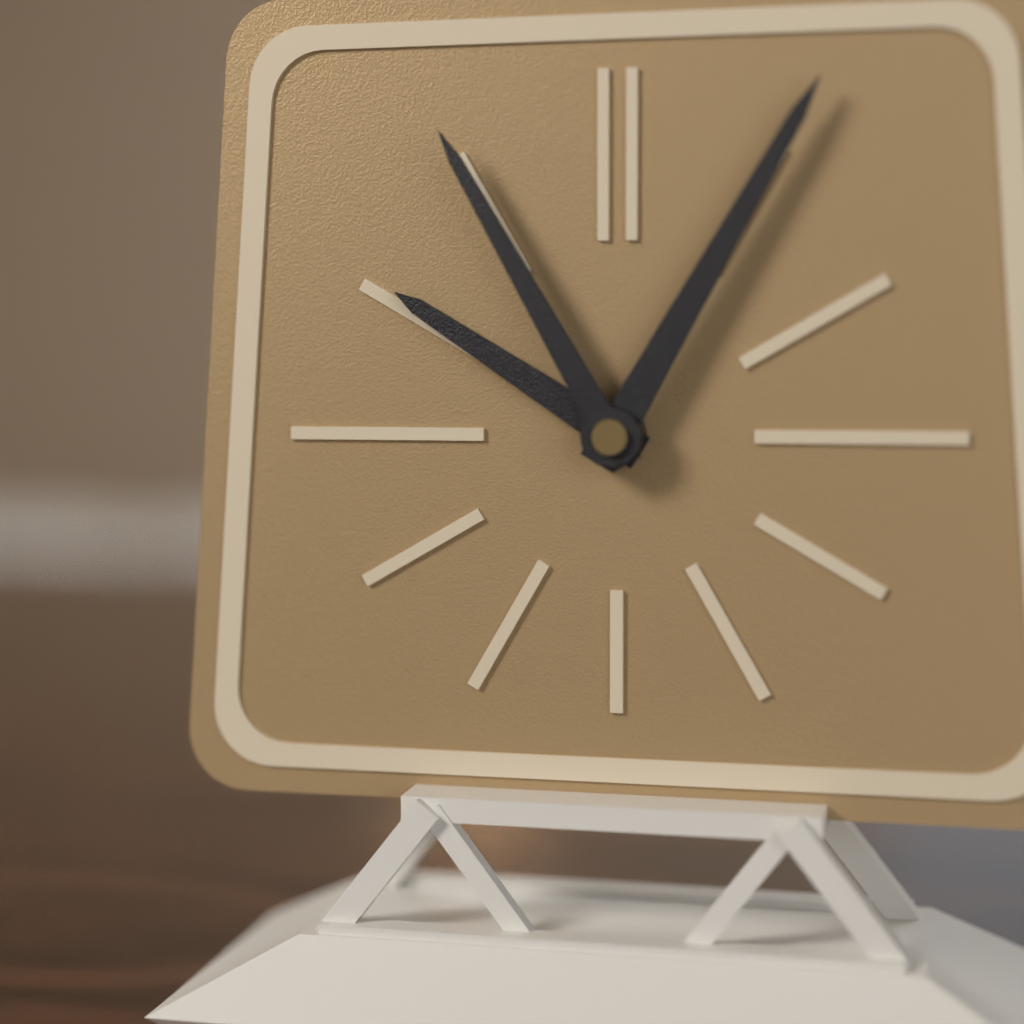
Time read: 10 h 05 min 55 s
